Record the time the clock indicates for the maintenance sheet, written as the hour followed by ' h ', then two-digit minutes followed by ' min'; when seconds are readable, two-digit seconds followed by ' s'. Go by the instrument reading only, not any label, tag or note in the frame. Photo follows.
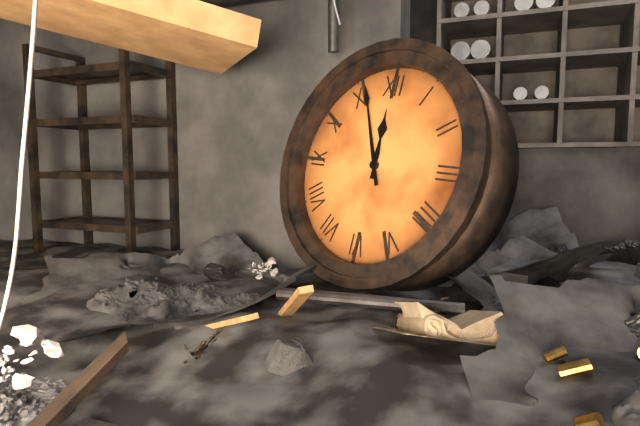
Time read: 11 h 56 min
